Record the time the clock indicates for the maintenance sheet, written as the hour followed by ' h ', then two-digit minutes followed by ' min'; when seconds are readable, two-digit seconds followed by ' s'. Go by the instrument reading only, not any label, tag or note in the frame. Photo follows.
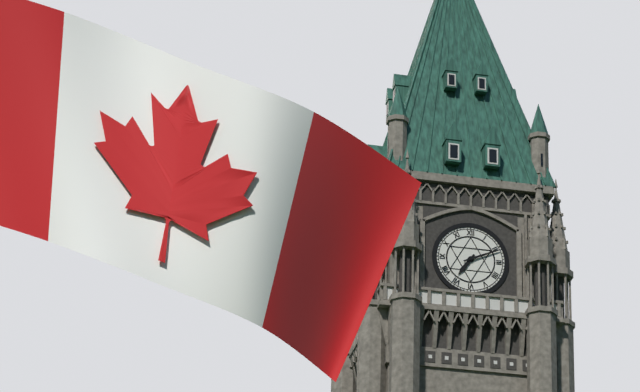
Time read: 7 h 11 min
